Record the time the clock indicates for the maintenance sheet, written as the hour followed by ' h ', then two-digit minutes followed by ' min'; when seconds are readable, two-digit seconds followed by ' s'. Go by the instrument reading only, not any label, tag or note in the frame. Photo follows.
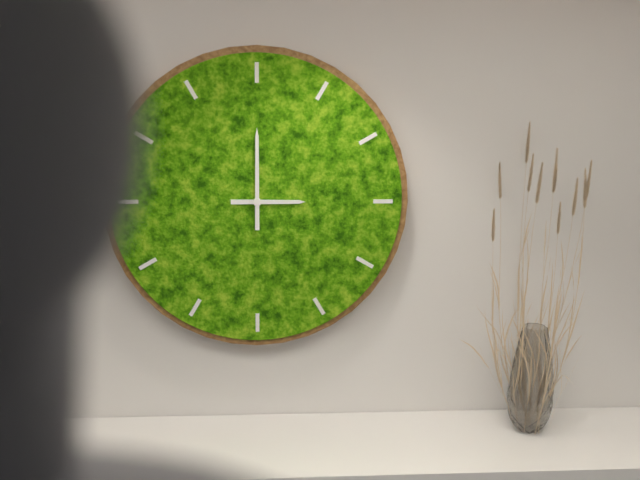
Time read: 3 h 00 min
